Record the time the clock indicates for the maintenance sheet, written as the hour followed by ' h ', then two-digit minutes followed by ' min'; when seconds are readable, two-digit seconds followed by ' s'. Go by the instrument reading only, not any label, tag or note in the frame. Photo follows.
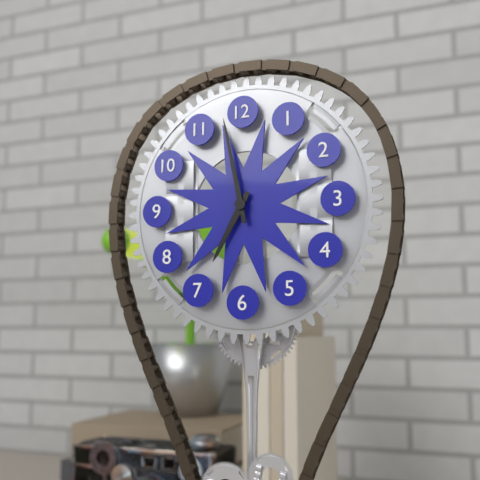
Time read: 6 h 58 min
